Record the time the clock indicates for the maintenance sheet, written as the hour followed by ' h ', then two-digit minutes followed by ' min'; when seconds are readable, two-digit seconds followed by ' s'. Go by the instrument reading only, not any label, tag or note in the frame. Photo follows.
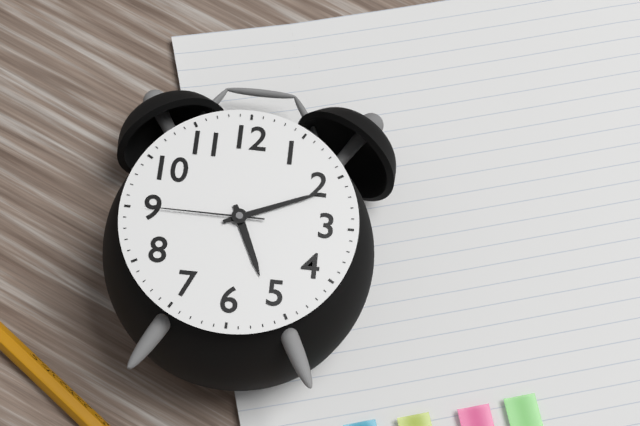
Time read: 5 h 11 min 45 s
